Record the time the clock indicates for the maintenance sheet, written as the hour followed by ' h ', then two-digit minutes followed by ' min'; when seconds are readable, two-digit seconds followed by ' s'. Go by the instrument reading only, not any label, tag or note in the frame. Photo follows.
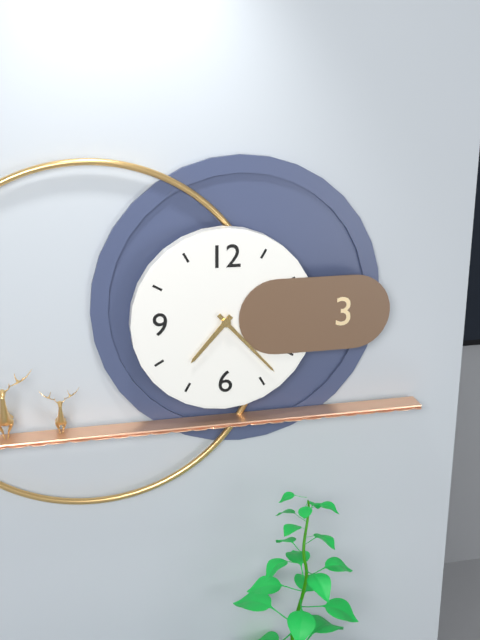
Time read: 7 h 23 min
